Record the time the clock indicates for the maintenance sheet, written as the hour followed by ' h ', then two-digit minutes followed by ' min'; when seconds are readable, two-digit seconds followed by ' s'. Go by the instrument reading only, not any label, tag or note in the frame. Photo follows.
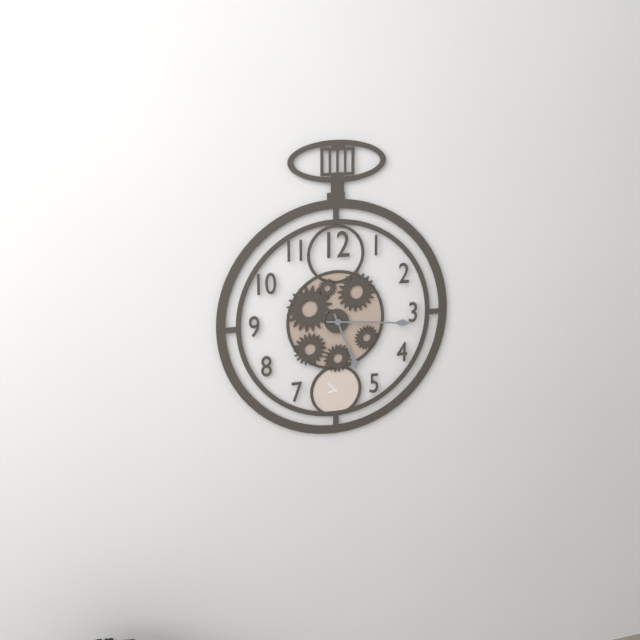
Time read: 5 h 16 min
